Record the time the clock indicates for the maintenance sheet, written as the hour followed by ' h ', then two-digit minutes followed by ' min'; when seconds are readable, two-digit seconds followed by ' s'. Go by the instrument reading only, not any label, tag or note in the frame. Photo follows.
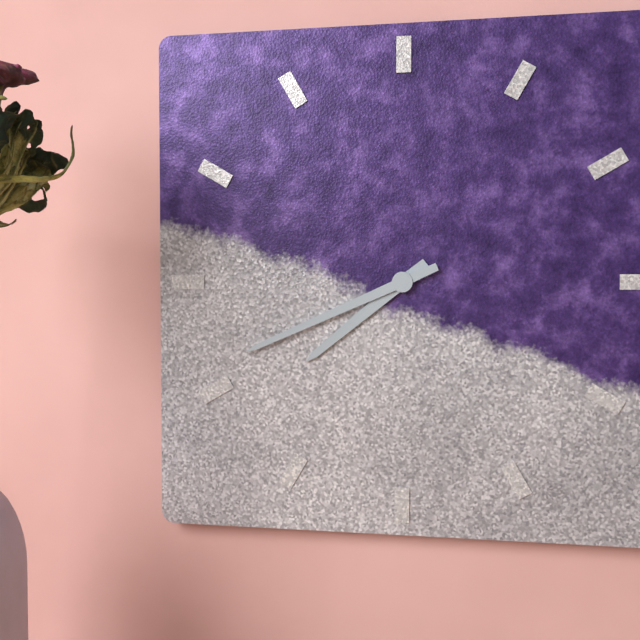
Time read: 7 h 41 min
